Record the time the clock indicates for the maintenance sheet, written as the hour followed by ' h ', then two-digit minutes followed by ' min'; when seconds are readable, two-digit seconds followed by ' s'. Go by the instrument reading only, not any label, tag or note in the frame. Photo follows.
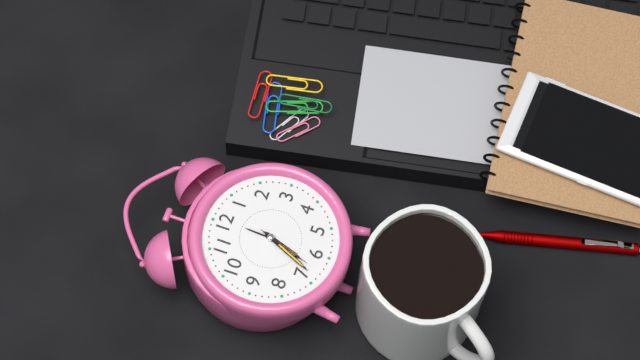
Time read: 6 h 34 min 33 s
